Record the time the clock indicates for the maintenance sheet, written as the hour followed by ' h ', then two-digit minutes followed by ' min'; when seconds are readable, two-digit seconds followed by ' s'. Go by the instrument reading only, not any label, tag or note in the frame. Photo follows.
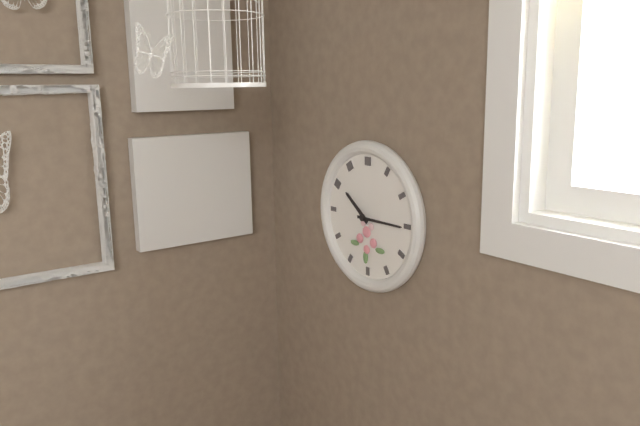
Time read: 10 h 15 min
